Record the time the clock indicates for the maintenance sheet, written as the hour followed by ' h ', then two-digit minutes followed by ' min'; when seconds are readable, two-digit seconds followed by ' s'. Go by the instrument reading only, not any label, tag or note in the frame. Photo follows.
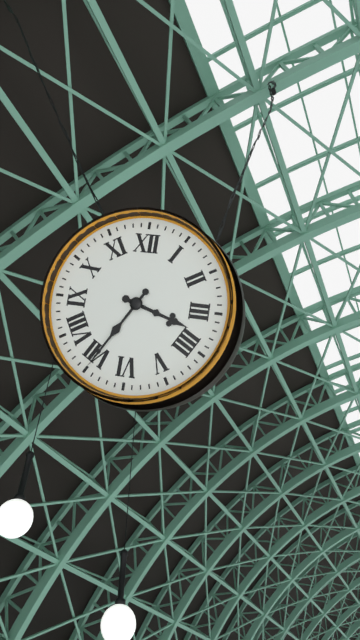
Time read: 3 h 35 min
